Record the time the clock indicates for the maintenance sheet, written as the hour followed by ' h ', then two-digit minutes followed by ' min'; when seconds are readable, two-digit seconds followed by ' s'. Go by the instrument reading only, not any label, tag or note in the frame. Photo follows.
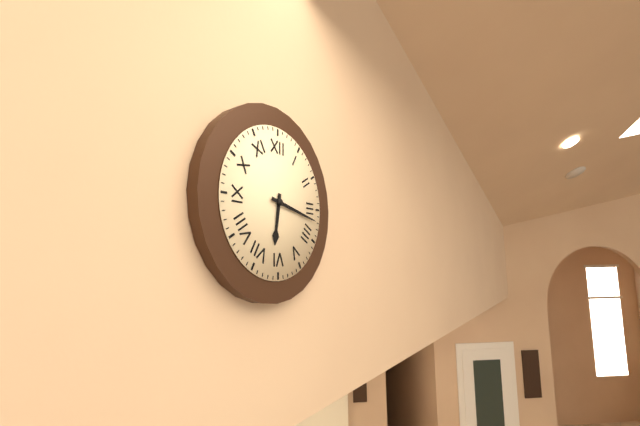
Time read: 6 h 17 min
